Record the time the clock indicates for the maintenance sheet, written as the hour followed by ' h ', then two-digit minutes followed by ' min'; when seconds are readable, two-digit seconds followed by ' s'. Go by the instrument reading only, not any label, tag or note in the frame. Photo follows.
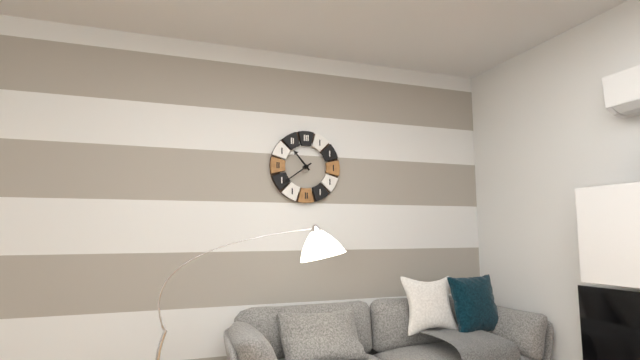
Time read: 10 h 39 min
